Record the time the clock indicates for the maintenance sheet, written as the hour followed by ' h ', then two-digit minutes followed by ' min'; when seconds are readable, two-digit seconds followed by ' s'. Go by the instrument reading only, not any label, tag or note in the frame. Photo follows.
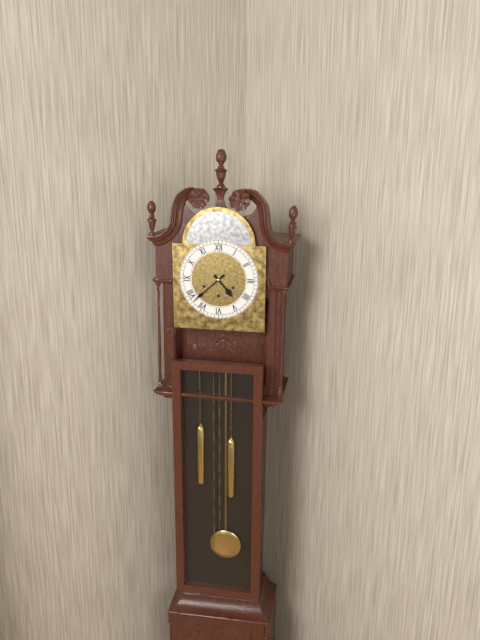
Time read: 4 h 38 min
